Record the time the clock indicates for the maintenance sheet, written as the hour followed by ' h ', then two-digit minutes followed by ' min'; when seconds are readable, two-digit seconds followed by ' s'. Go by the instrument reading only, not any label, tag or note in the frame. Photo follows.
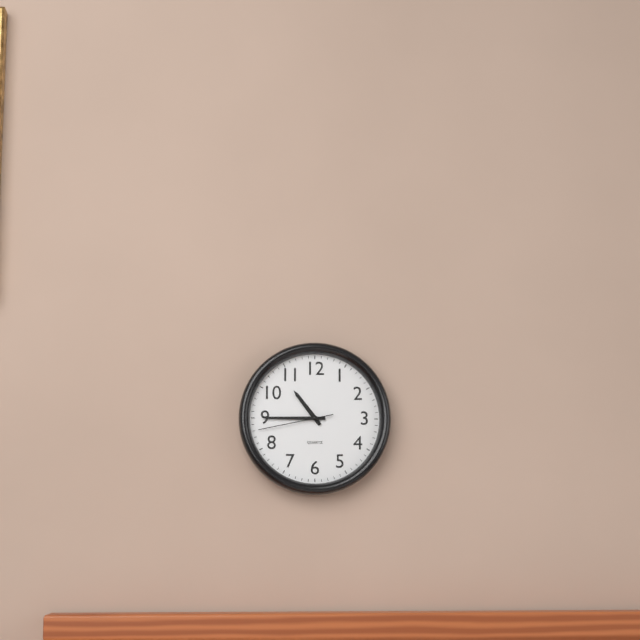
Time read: 10 h 45 min 43 s
